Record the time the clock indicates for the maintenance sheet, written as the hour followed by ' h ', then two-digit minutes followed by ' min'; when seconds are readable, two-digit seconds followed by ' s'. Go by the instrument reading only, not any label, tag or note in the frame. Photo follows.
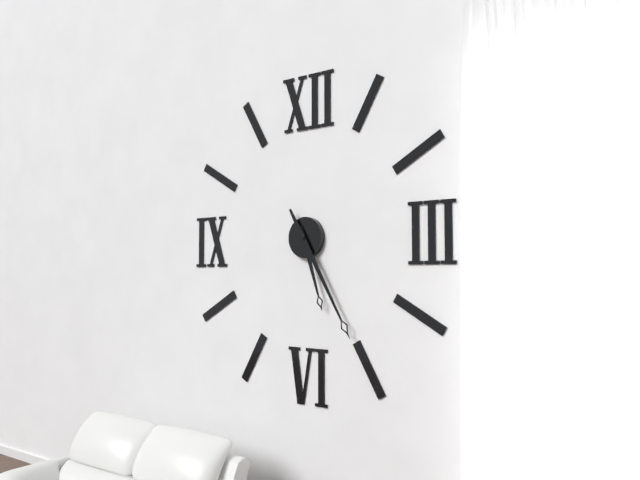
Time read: 5 h 25 min
